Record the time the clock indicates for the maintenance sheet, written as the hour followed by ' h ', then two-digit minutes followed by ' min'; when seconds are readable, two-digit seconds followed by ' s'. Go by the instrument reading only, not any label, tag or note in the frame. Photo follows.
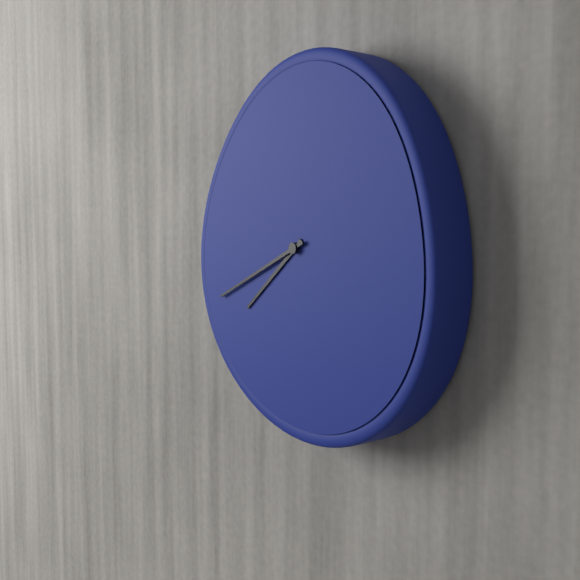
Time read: 7 h 41 min
